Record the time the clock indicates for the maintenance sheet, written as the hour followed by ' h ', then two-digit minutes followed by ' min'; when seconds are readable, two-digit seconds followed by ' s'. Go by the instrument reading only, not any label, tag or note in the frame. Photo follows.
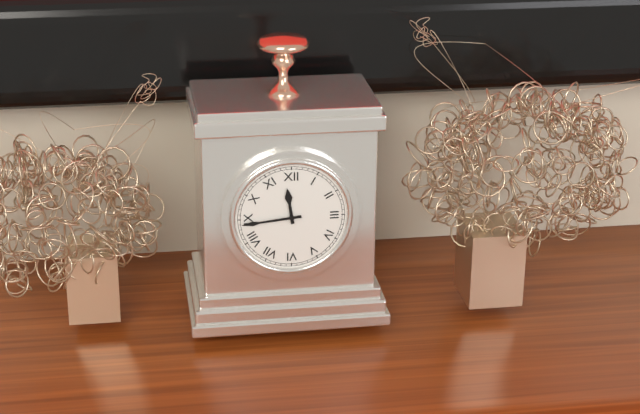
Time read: 11 h 44 min
